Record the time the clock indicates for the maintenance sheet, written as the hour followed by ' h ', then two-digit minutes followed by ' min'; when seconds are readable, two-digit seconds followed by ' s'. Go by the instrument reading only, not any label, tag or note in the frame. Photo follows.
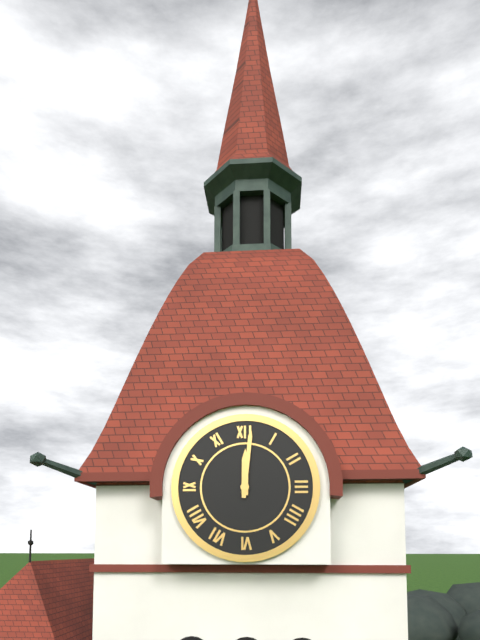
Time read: 12 h 01 min
